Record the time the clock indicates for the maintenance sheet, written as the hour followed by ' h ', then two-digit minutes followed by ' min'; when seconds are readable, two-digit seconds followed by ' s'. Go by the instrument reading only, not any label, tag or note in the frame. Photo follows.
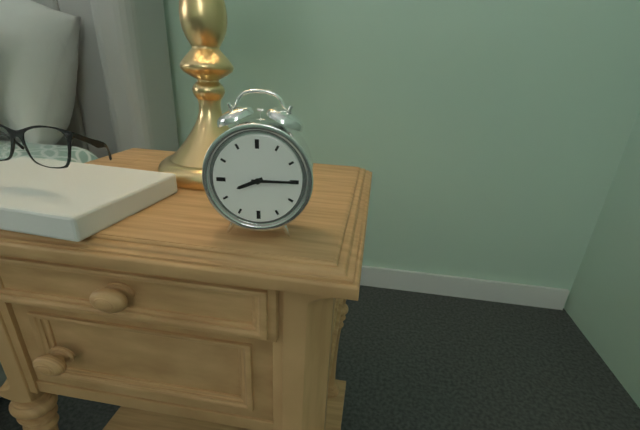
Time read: 8 h 15 min
